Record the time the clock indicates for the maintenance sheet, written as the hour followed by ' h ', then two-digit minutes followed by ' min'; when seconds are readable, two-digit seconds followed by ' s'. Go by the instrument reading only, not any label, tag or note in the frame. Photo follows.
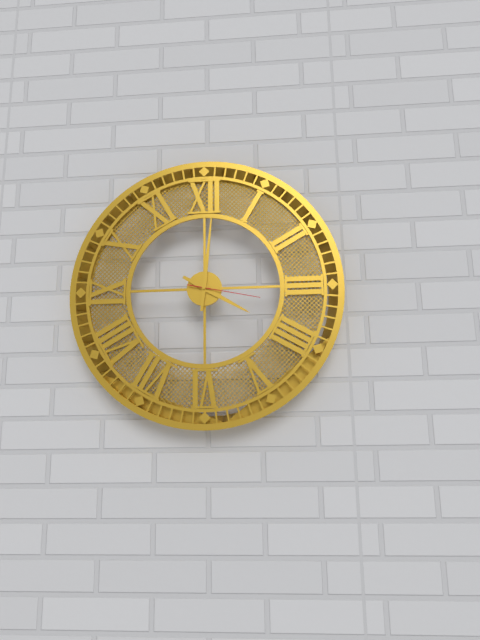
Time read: 4 h 01 min 17 s
